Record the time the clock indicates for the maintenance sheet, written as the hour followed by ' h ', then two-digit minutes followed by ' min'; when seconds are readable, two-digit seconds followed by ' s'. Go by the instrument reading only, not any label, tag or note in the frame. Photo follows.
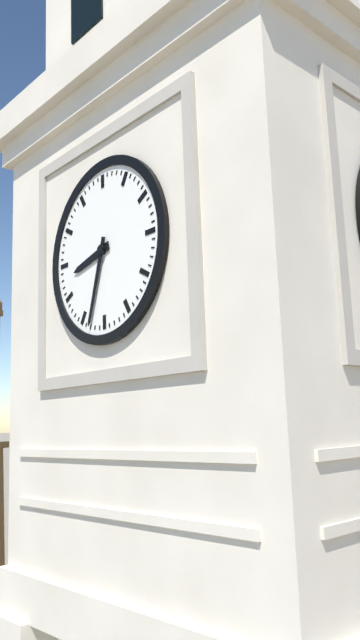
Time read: 8 h 33 min
